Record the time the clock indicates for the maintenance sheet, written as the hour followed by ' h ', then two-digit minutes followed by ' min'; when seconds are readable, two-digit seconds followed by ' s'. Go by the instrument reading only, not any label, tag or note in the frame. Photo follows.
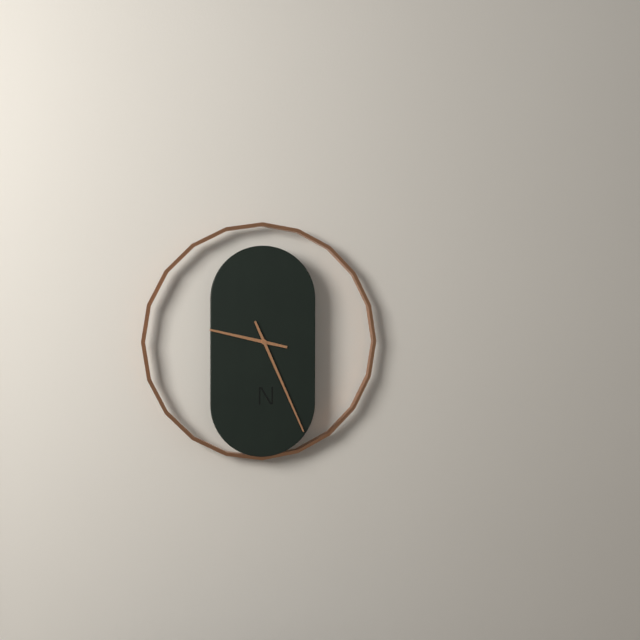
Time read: 9 h 26 min
